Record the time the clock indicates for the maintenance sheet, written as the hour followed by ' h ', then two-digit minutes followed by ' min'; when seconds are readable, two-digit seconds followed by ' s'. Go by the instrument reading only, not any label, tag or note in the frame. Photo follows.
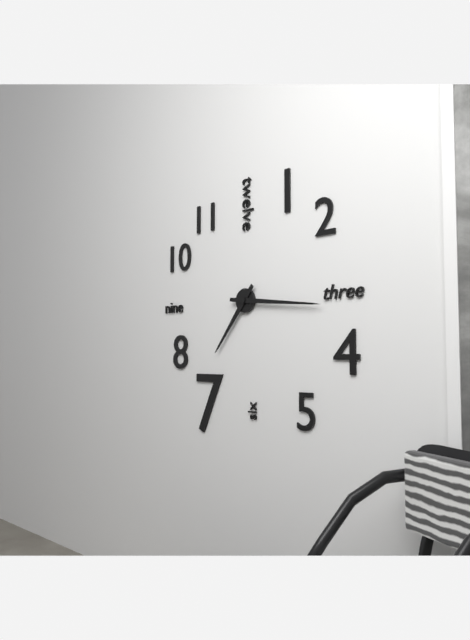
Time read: 7 h 16 min
